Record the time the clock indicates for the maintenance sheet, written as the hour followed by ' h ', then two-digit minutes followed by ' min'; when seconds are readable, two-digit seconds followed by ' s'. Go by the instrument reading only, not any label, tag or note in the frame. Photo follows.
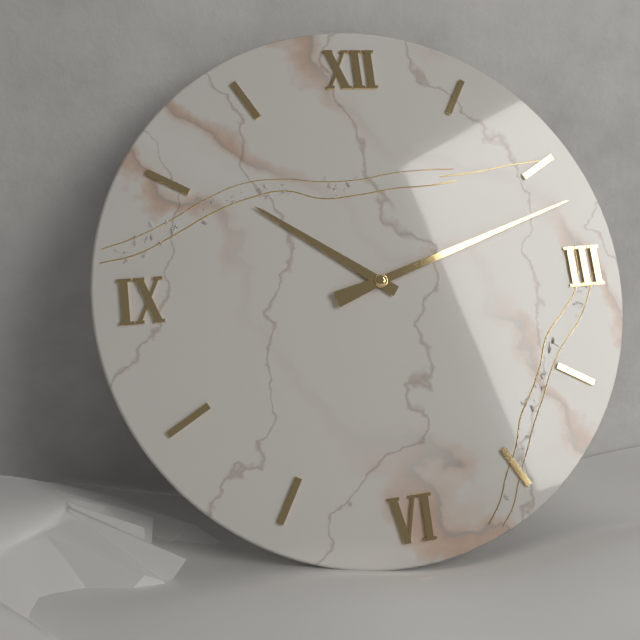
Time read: 10 h 12 min
